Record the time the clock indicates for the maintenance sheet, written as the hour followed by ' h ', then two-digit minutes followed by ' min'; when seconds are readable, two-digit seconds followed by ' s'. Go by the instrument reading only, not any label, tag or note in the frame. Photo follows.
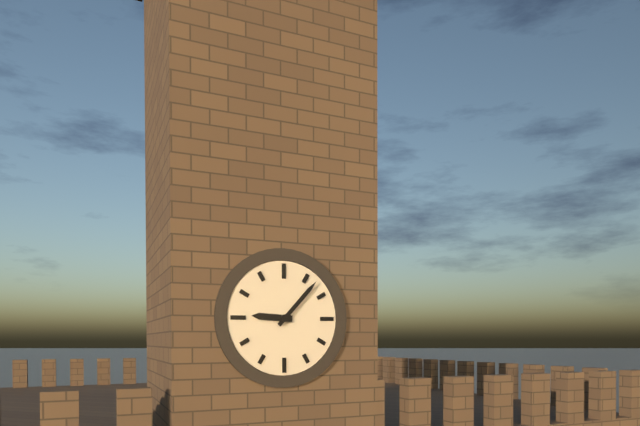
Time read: 9 h 07 min
